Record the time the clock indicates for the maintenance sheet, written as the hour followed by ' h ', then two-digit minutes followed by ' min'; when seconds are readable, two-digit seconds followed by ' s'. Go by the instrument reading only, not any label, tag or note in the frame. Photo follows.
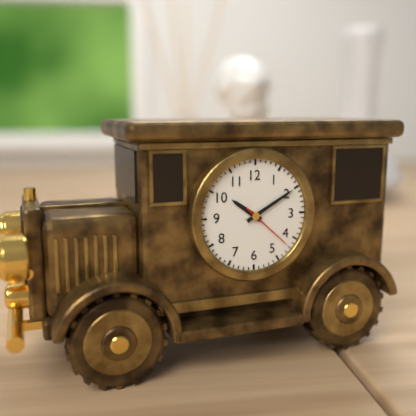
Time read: 10 h 10 min 22 s
